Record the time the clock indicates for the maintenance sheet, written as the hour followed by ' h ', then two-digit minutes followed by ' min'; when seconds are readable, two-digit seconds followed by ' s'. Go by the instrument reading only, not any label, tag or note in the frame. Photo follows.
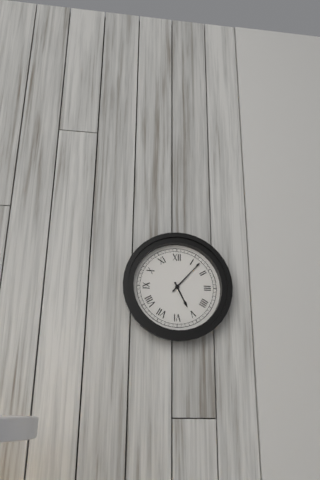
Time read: 5 h 07 min
